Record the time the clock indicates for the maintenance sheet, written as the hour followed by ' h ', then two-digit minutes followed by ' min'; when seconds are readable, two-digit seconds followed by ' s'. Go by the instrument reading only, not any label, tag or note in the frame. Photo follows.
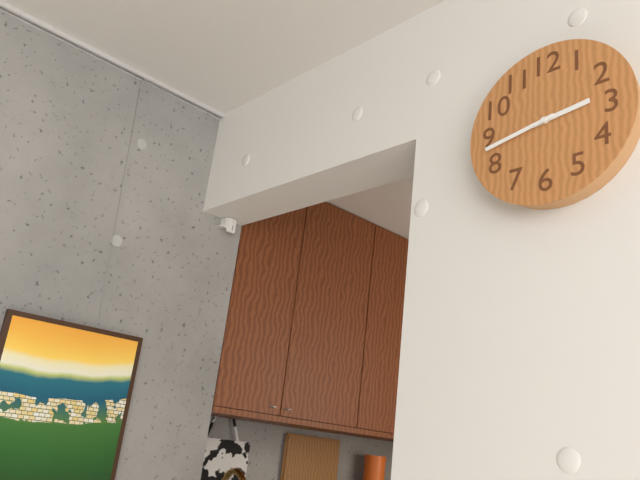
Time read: 2 h 43 min
